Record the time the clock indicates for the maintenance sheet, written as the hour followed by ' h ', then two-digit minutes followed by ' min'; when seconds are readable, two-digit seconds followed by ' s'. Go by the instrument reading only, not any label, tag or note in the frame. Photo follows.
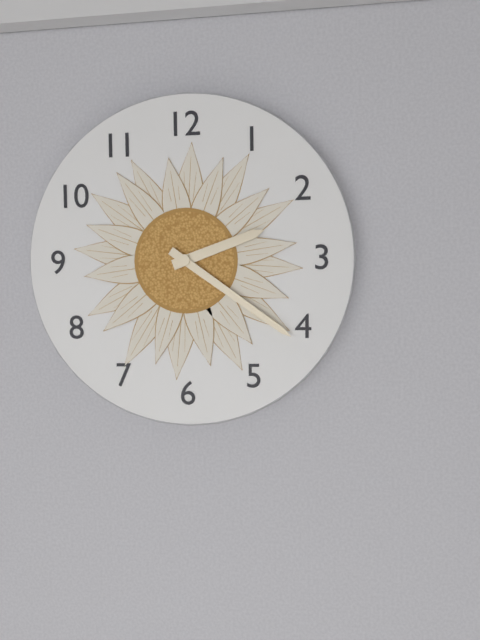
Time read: 2 h 21 min
